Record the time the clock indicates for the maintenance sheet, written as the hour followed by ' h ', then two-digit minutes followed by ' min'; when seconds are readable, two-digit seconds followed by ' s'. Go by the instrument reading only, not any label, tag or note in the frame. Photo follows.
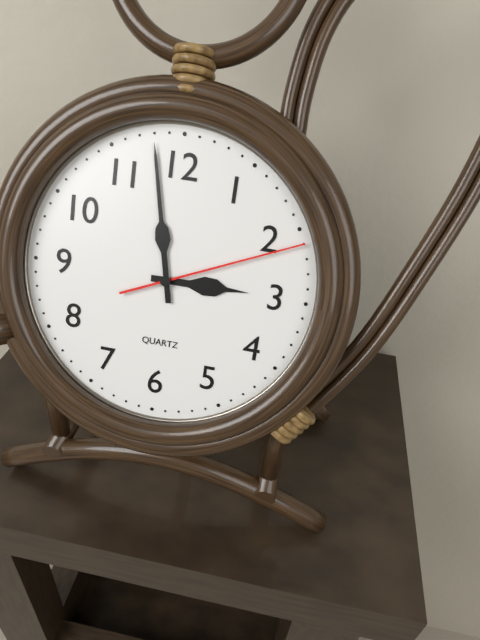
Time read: 2 h 58 min 11 s
